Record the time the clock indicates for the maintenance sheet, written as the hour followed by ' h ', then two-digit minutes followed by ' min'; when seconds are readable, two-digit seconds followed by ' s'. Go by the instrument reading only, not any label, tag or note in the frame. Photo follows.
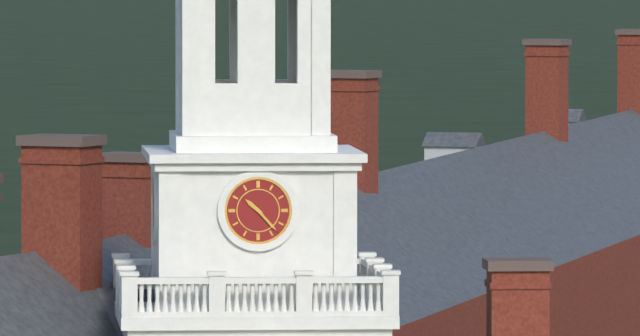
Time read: 10 h 23 min
